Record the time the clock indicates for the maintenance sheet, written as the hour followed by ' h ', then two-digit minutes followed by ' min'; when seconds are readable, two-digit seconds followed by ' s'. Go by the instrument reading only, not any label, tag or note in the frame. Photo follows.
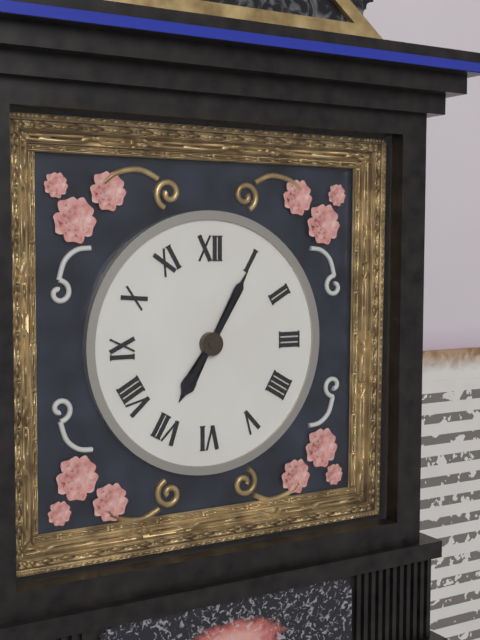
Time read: 7 h 05 min
